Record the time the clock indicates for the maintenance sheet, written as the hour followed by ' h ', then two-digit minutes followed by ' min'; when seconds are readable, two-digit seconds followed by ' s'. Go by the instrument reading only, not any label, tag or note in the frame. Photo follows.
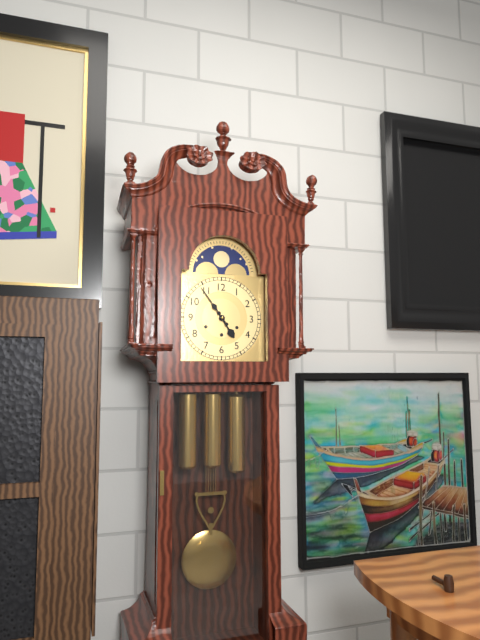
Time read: 4 h 54 min
